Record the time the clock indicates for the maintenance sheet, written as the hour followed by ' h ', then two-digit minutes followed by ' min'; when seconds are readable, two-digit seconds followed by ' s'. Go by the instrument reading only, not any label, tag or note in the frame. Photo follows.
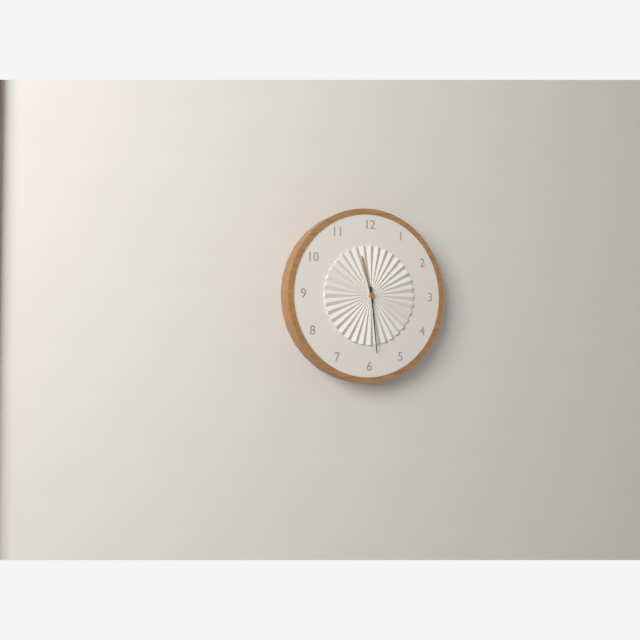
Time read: 11 h 29 min
